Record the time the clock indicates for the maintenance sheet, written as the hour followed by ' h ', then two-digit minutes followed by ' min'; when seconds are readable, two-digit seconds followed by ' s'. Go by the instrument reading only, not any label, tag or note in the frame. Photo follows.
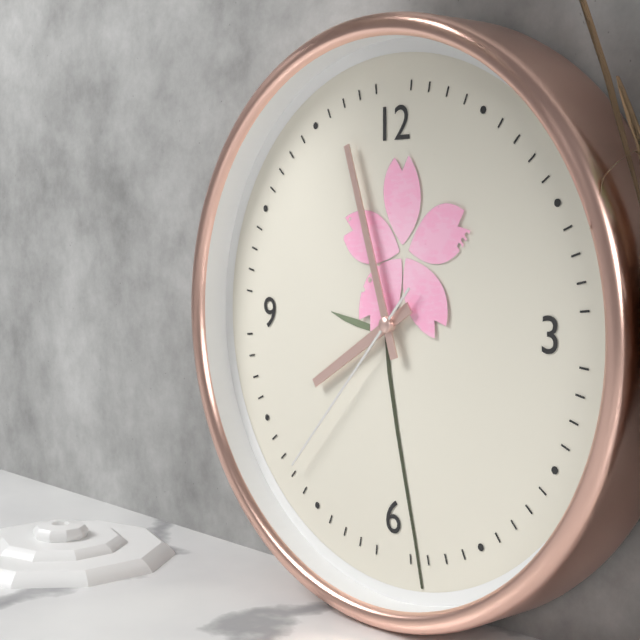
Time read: 7 h 57 min 37 s
